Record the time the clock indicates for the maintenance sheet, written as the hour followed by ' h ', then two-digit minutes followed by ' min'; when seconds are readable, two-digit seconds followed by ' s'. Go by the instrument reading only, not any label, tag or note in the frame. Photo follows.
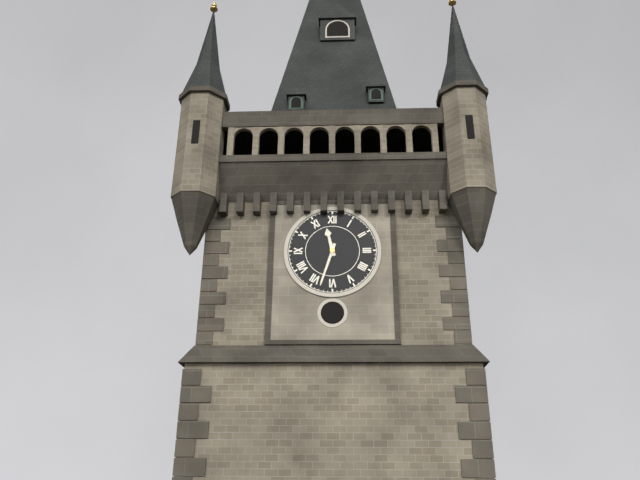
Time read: 11 h 33 min
